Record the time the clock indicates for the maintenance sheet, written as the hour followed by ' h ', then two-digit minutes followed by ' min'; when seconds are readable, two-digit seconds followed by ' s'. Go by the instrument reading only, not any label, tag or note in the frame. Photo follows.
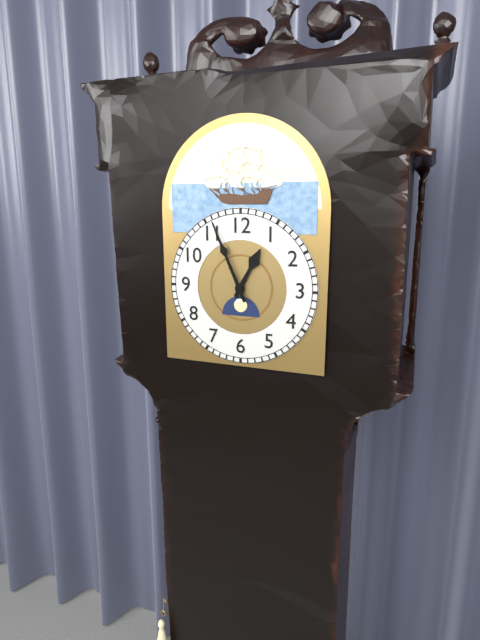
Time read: 12 h 56 min
